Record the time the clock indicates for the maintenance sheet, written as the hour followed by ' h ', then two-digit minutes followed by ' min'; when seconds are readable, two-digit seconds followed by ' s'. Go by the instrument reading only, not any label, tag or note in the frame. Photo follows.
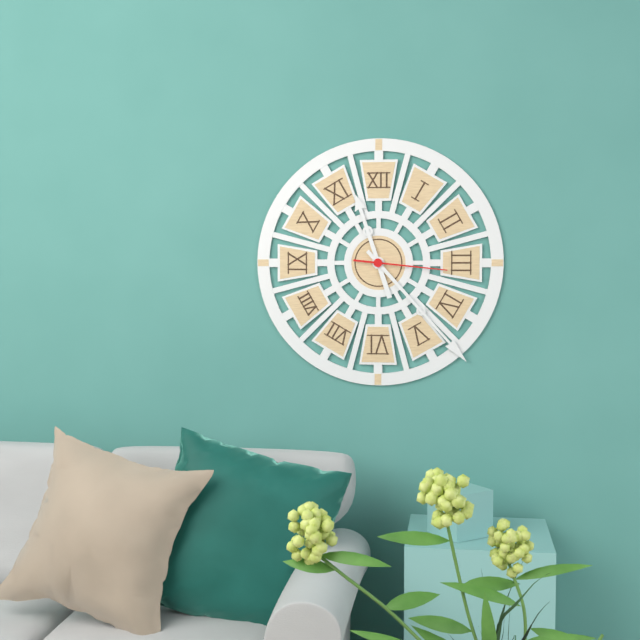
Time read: 11 h 23 min 16 s
